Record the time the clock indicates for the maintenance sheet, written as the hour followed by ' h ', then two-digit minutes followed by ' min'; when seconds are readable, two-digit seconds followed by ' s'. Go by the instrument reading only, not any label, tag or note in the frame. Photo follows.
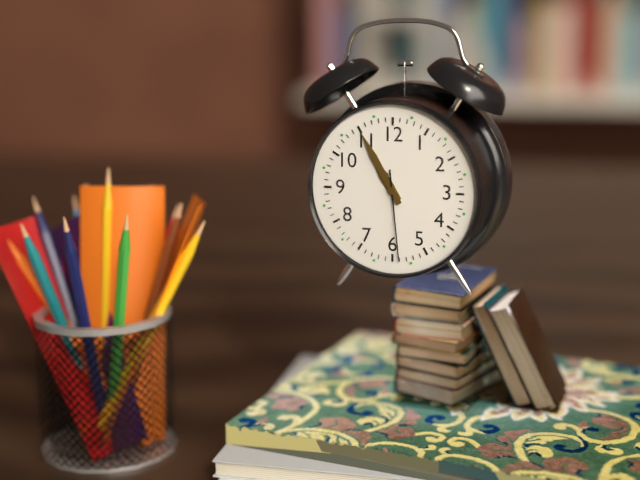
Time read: 10 h 55 min 29 s
